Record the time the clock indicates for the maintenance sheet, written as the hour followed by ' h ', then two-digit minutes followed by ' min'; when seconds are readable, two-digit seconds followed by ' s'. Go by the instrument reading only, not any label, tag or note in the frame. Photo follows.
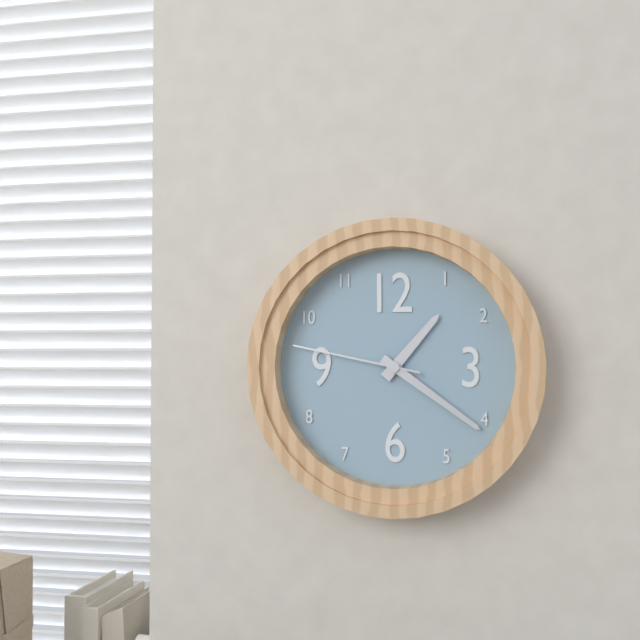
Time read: 1 h 21 min 47 s
